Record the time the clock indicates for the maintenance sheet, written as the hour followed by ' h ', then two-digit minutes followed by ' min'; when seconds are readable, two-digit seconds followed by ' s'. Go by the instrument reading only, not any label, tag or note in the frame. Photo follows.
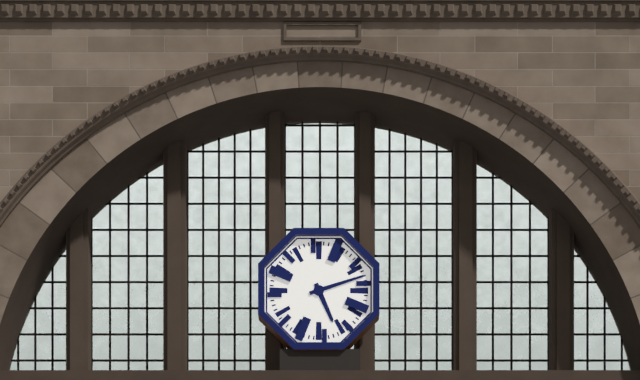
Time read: 5 h 12 min
